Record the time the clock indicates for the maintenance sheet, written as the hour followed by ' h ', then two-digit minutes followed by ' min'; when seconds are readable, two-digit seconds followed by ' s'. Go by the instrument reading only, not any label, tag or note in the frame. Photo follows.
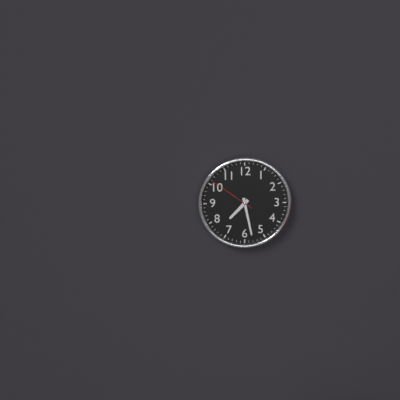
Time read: 7 h 28 min
